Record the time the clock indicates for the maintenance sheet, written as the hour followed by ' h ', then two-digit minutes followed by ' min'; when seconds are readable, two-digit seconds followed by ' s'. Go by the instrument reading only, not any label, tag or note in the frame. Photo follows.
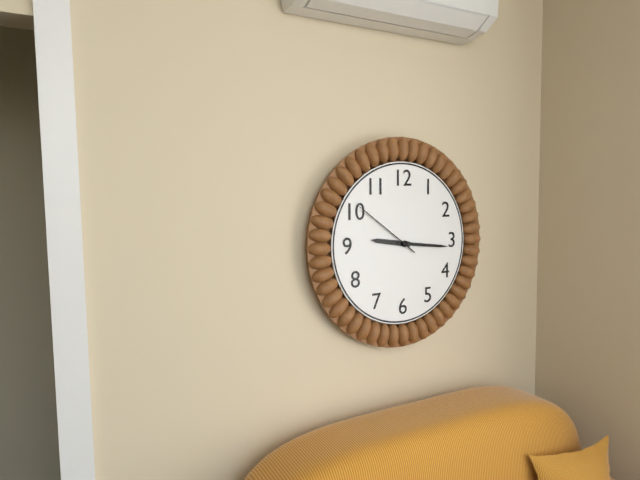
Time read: 9 h 16 min 51 s
